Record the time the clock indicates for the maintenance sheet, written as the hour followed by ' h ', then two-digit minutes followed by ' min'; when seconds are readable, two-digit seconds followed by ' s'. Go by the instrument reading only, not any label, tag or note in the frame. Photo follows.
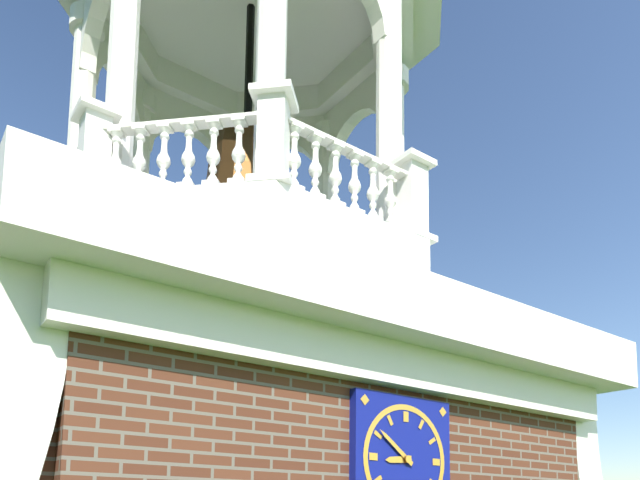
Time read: 8 h 51 min
